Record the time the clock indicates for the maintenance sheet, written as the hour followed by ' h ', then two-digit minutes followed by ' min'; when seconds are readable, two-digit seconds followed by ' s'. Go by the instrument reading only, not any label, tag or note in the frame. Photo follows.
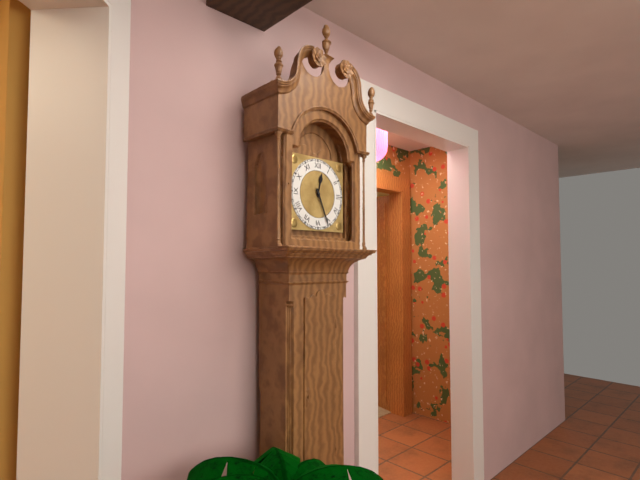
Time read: 12 h 26 min
